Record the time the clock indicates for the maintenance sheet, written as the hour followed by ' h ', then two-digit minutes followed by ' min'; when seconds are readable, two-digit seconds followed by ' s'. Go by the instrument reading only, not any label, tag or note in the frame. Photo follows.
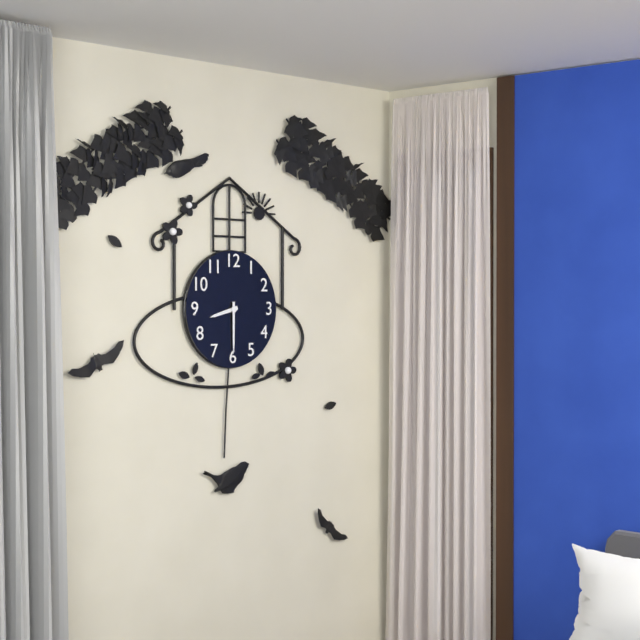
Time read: 8 h 30 min
